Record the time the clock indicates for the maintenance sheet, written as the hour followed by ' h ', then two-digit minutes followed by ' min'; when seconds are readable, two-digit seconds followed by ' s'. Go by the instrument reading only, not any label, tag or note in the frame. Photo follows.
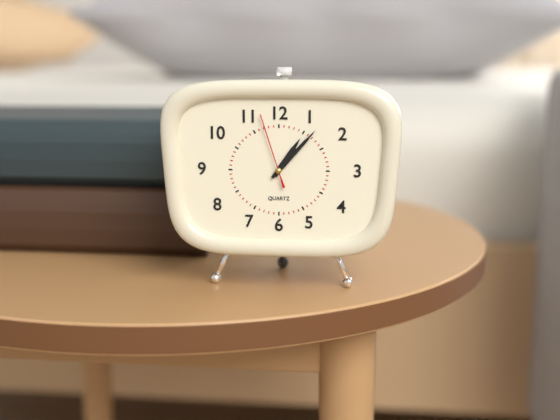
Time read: 1 h 07 min 57 s
